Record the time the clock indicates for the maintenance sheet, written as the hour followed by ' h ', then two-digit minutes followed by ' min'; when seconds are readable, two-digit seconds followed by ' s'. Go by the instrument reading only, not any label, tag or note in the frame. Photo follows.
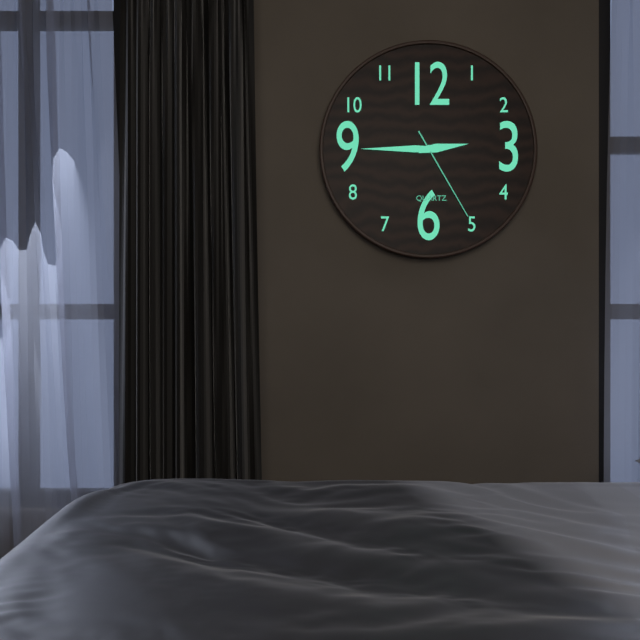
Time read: 2 h 45 min 25 s
